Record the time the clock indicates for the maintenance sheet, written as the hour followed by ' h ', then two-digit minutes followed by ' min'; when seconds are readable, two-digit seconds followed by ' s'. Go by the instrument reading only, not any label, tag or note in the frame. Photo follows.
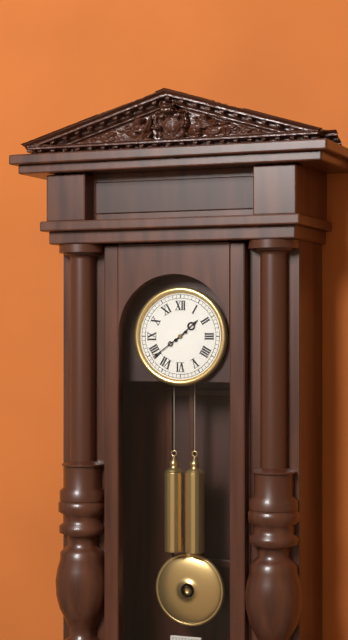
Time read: 1 h 39 min
